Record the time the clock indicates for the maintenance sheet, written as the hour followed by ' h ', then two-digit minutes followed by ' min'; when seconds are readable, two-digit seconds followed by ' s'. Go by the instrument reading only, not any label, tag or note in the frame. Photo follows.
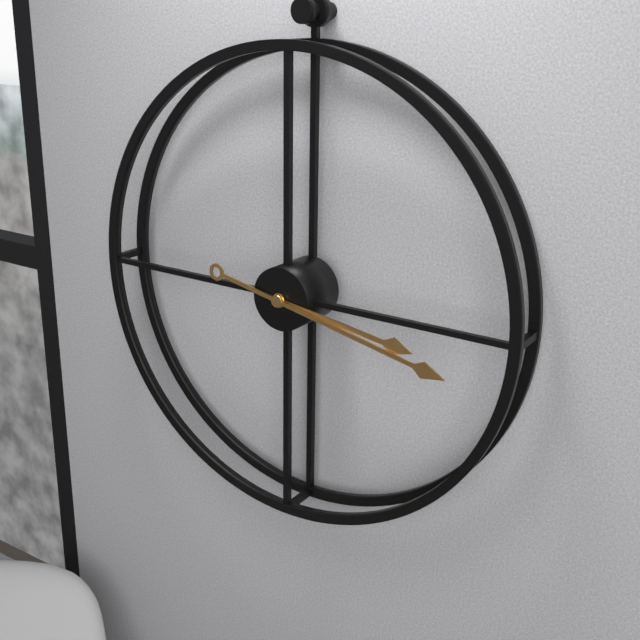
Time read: 3 h 17 min
